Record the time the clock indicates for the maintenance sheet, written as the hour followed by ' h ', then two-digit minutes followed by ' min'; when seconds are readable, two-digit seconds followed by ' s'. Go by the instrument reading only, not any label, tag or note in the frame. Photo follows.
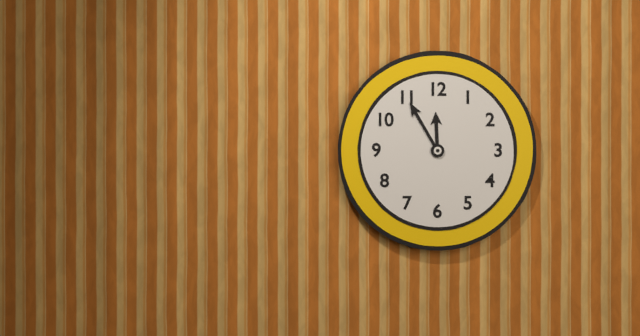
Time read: 11 h 55 min
